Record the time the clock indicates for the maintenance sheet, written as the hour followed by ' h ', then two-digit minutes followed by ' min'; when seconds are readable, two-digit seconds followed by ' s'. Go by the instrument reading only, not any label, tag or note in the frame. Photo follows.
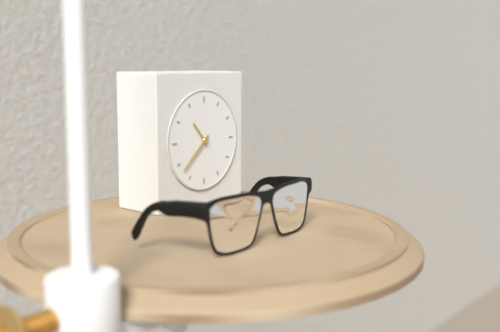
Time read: 10 h 38 min
